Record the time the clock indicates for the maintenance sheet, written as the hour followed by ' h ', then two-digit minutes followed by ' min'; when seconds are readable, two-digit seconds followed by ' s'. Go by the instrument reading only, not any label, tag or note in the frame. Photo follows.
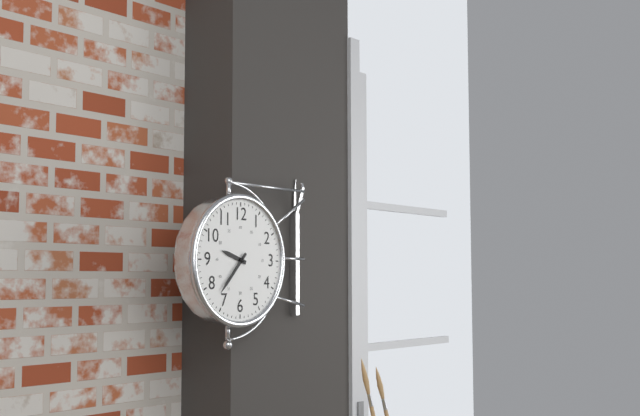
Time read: 9 h 37 min
